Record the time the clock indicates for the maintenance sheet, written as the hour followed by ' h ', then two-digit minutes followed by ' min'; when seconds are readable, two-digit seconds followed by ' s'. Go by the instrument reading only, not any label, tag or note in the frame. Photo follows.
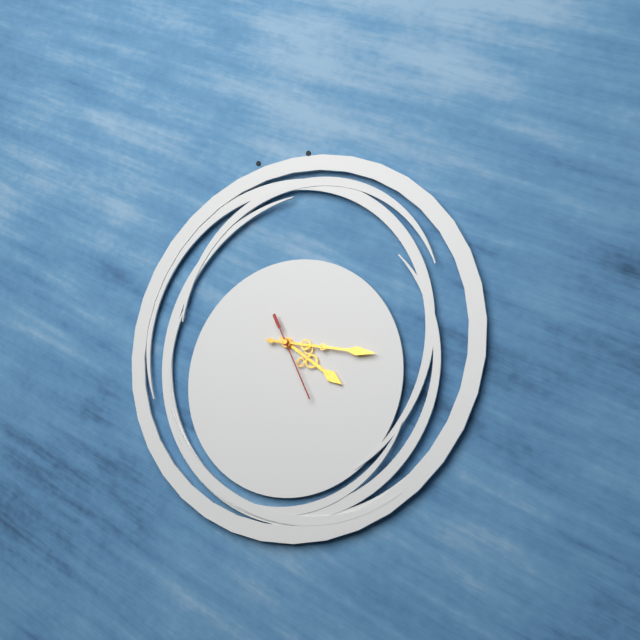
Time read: 4 h 17 min 26 s
